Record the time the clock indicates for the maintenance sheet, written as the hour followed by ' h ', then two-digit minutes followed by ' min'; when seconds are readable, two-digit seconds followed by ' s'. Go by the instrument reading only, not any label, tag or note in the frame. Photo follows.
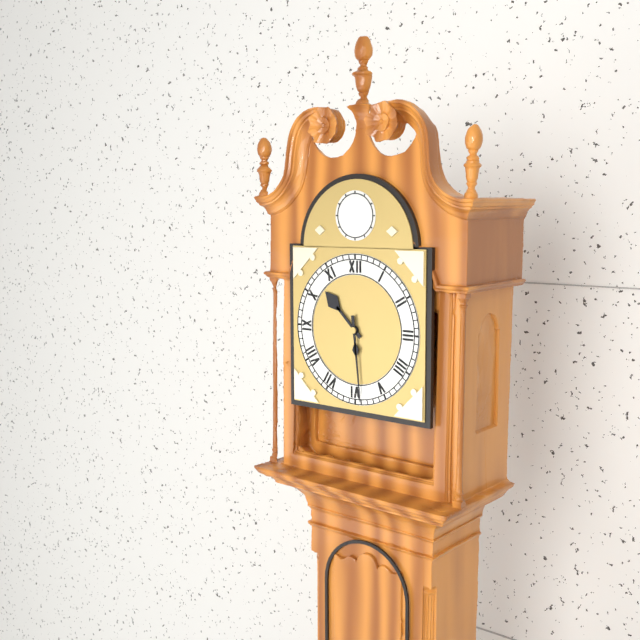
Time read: 10 h 29 min
